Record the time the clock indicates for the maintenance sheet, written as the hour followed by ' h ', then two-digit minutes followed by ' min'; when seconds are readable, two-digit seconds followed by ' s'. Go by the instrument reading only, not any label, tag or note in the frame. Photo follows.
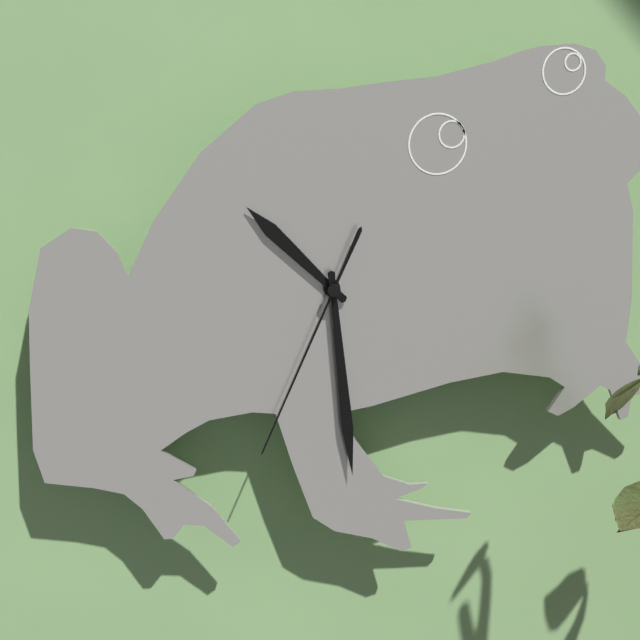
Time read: 10 h 29 min 34 s
